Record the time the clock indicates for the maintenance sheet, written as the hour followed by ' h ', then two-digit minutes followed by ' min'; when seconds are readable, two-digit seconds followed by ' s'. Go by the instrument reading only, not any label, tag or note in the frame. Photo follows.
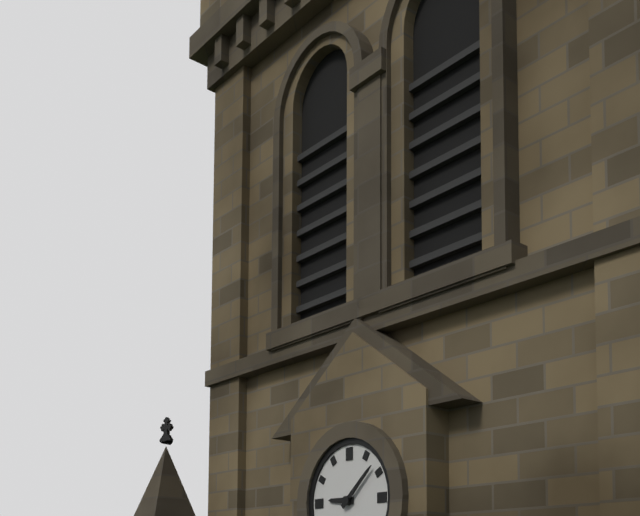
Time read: 9 h 08 min
